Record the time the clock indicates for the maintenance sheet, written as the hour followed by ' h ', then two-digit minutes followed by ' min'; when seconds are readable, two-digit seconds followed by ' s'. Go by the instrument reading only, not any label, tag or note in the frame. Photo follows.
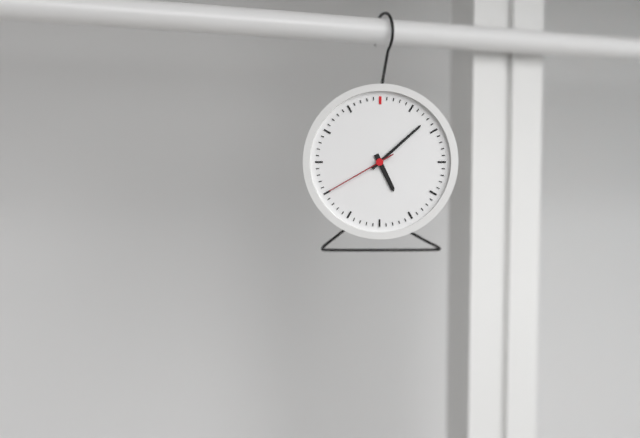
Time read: 5 h 08 min 40 s
